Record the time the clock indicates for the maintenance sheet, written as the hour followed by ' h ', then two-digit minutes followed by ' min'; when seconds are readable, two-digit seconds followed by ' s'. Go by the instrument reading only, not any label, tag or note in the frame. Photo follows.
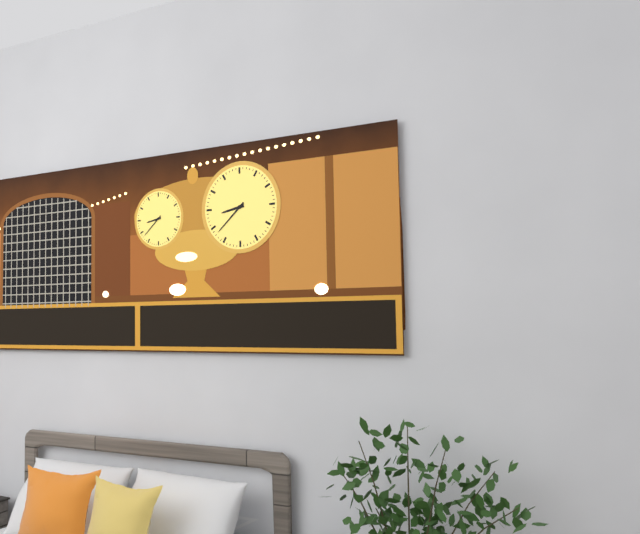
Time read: 8 h 38 min
